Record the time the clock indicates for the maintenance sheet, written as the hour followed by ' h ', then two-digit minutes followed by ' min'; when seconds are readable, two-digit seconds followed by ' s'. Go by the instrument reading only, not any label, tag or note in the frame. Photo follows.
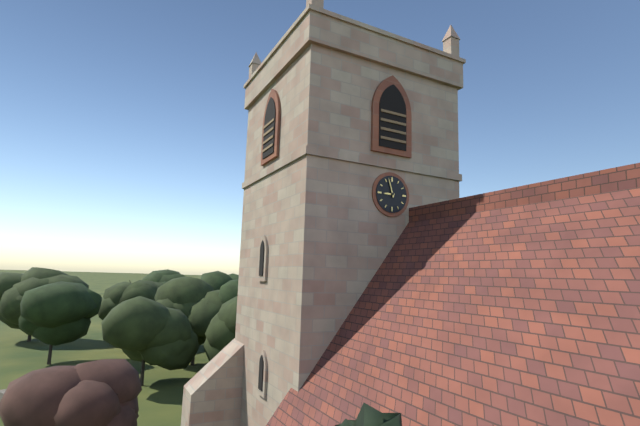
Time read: 8 h 57 min
